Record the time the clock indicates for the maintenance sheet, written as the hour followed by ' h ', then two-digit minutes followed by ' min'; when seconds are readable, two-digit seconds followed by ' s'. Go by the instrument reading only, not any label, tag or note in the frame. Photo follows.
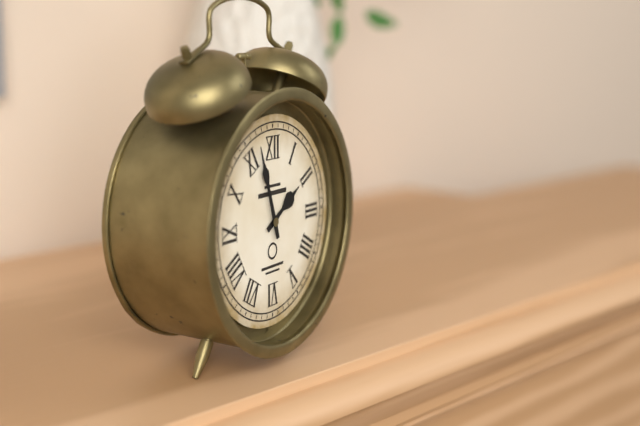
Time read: 1 h 57 min
